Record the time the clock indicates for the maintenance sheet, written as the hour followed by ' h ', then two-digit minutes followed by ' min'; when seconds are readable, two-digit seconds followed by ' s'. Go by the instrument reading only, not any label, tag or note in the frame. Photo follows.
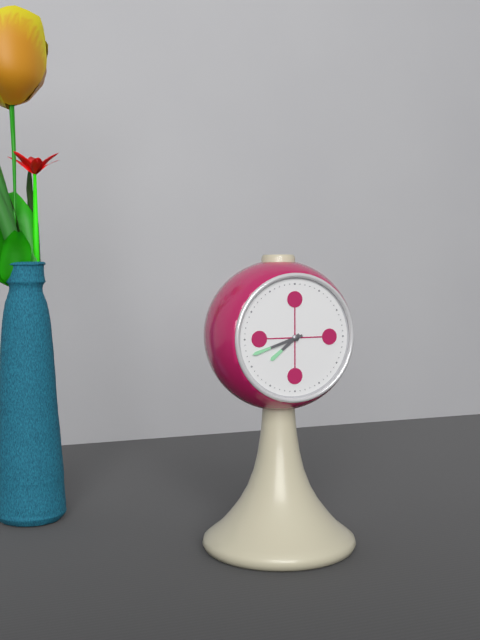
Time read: 7 h 42 min
